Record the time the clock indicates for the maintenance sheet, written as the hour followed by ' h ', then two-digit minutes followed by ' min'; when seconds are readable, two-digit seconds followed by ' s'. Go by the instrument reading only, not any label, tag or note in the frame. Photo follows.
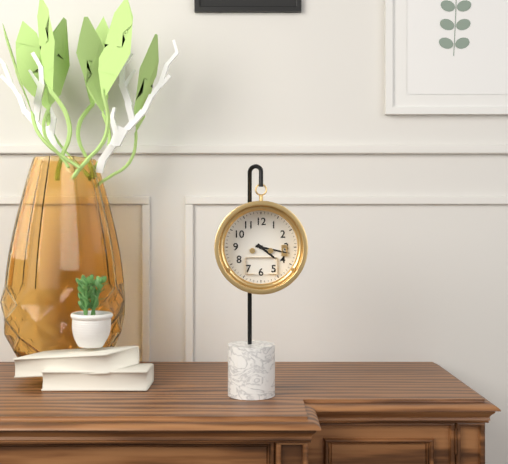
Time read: 4 h 17 min
